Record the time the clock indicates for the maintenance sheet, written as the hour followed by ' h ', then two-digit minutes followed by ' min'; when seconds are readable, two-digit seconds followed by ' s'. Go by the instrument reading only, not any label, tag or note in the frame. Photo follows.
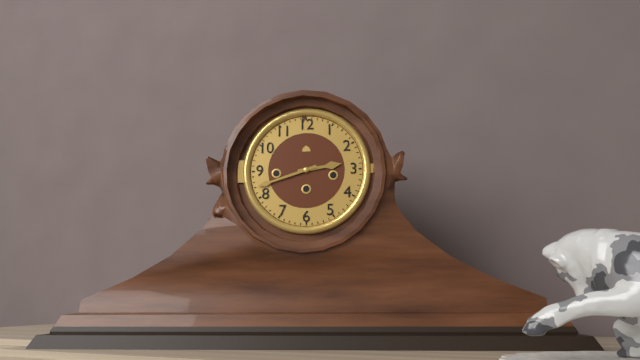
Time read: 2 h 42 min
